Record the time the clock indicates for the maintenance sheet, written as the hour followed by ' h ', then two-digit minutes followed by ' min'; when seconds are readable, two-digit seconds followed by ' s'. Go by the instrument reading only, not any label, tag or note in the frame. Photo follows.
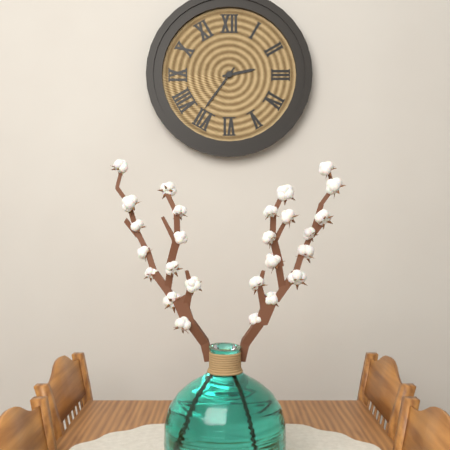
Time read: 2 h 36 min
